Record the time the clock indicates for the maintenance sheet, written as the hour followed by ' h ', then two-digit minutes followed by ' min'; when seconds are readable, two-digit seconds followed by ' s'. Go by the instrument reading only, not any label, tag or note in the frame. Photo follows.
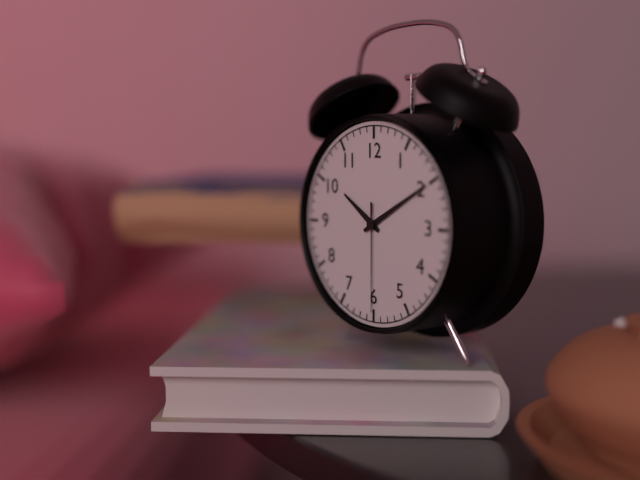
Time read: 10 h 10 min 30 s
